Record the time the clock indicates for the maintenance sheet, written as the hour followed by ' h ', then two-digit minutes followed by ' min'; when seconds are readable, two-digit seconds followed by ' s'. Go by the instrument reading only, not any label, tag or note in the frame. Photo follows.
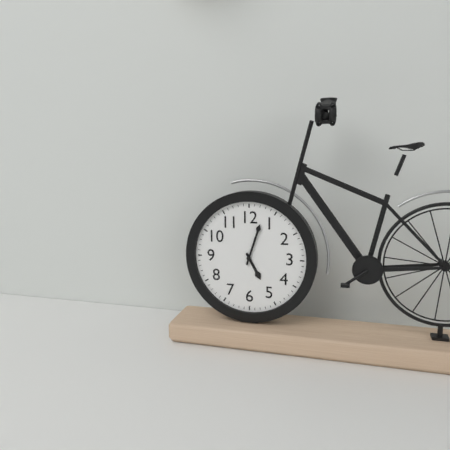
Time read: 5 h 03 min
